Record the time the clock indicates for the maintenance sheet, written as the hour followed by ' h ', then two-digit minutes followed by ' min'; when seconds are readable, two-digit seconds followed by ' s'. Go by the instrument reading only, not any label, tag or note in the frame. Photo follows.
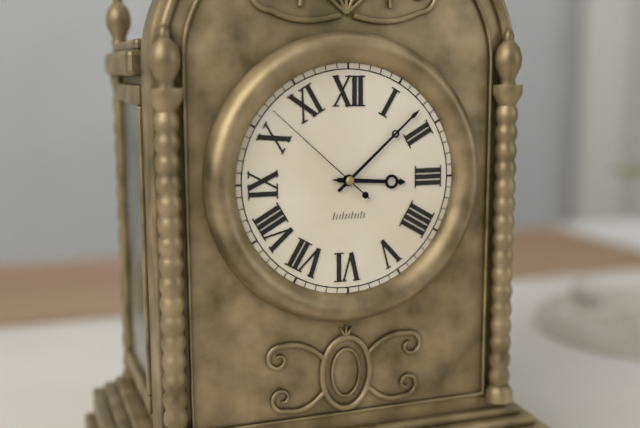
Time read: 3 h 08 min 52 s
